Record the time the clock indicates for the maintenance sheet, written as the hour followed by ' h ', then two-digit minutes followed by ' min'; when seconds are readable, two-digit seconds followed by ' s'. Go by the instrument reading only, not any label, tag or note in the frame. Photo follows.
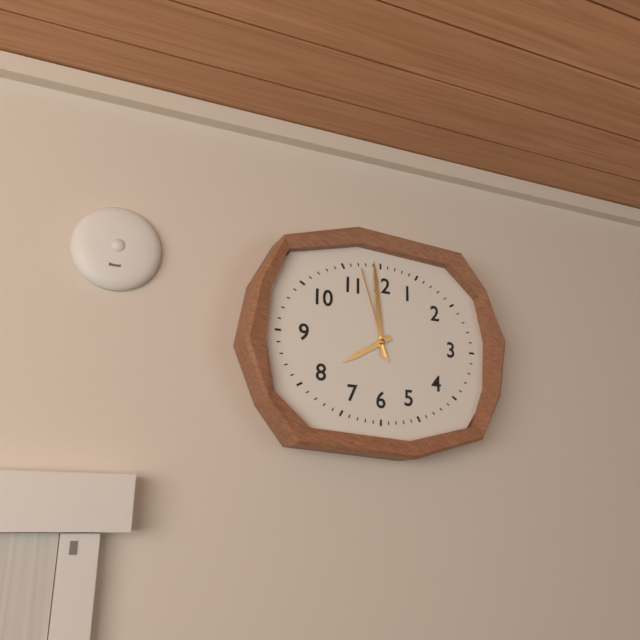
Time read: 7 h 59 min 57 s
